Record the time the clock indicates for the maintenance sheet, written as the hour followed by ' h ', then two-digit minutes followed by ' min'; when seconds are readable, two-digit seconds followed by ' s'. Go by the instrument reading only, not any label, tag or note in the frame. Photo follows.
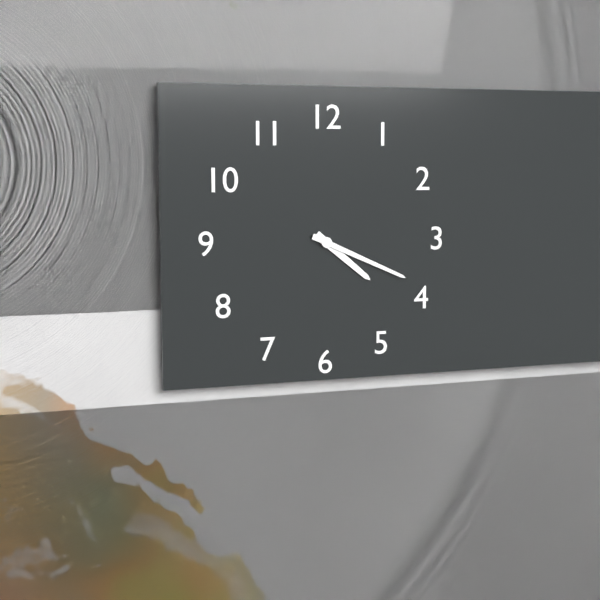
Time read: 4 h 19 min
